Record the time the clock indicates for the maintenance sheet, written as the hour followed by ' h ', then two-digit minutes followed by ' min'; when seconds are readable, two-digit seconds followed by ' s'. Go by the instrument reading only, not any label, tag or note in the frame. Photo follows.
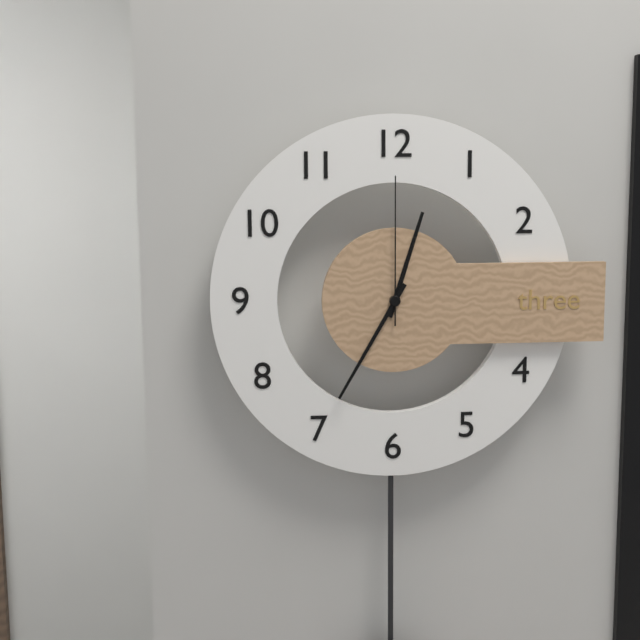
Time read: 12 h 35 min 00 s
